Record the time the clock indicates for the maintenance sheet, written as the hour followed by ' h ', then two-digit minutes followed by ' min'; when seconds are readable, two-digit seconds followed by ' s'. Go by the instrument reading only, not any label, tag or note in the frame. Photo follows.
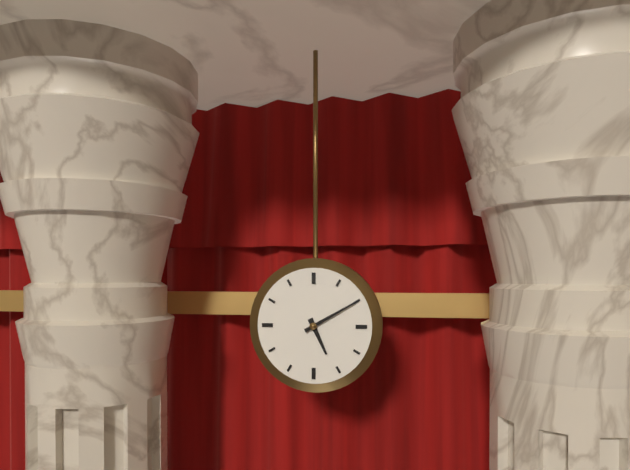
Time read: 5 h 10 min
